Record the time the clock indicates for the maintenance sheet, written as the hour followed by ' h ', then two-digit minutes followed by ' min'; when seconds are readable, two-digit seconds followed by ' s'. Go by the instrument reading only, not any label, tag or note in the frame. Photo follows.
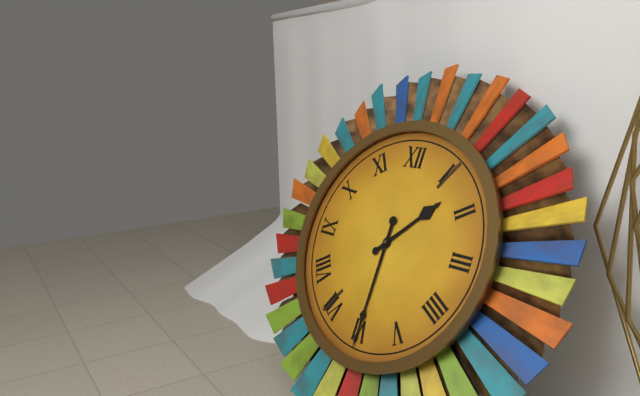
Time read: 1 h 30 min
